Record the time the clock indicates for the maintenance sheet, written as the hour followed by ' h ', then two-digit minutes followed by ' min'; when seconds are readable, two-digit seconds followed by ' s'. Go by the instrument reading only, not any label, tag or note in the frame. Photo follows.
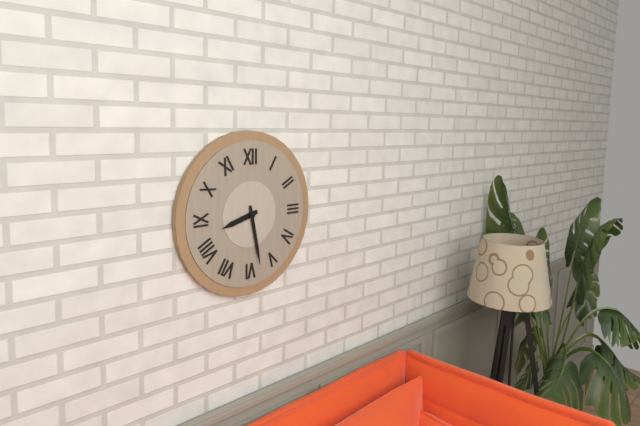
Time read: 8 h 28 min
